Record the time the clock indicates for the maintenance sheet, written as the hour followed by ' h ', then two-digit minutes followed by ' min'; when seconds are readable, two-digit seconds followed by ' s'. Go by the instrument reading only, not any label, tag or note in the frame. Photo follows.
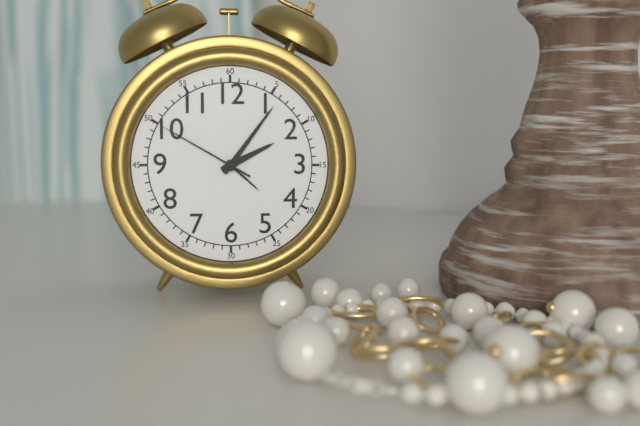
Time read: 2 h 06 min 50 s
